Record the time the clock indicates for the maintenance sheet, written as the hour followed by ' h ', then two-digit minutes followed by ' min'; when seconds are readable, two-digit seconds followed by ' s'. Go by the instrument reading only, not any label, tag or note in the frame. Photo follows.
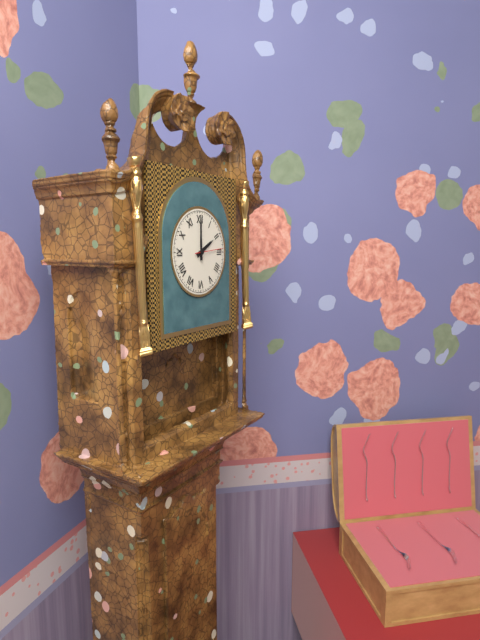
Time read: 2 h 00 min
